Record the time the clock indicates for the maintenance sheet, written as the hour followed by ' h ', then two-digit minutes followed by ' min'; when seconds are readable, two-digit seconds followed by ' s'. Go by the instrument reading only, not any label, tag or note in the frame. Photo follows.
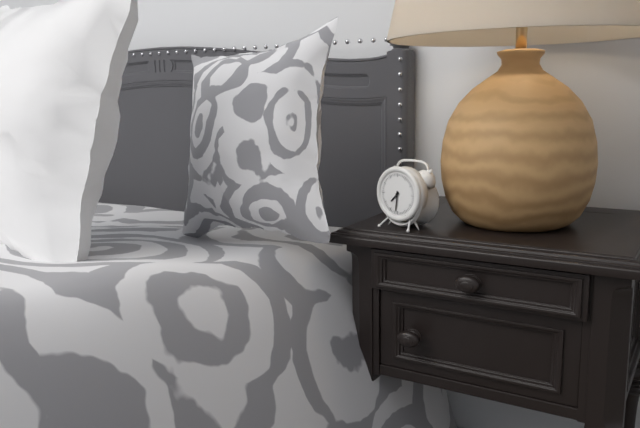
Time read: 7 h 31 min
